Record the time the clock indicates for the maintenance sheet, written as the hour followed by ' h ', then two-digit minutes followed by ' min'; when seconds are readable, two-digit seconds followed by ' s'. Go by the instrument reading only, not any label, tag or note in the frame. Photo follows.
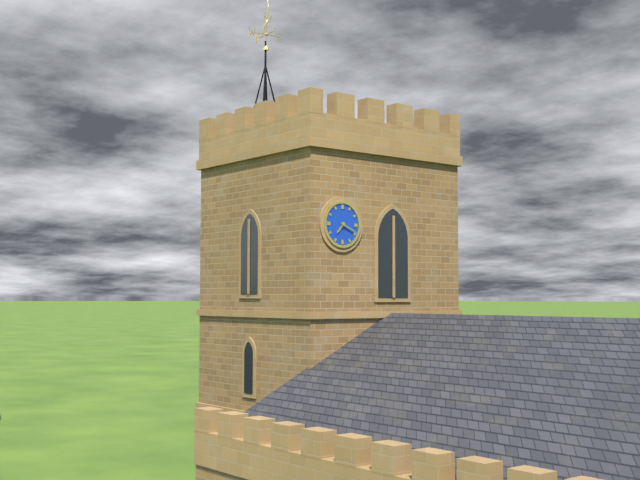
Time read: 7 h 19 min
